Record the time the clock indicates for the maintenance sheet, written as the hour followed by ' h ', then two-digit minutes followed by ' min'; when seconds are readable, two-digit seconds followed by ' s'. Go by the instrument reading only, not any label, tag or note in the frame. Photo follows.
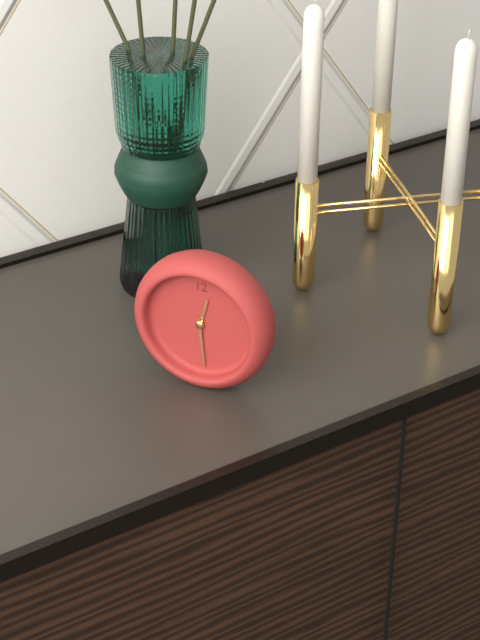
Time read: 12 h 29 min
